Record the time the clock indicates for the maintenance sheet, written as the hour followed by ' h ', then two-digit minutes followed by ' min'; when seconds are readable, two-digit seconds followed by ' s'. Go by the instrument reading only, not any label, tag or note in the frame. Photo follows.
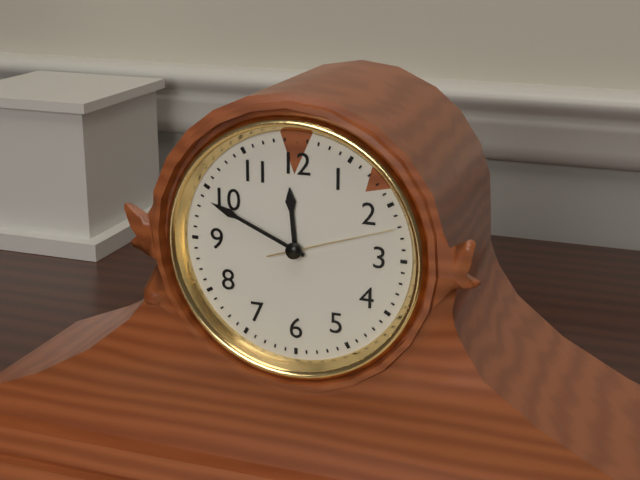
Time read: 11 h 49 min 12 s
